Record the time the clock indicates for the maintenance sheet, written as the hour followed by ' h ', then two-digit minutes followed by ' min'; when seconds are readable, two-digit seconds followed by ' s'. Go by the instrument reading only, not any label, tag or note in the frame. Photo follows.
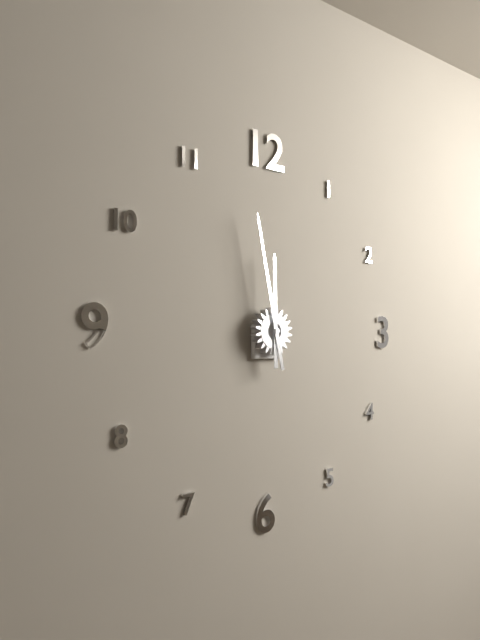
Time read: 11 h 58 min
